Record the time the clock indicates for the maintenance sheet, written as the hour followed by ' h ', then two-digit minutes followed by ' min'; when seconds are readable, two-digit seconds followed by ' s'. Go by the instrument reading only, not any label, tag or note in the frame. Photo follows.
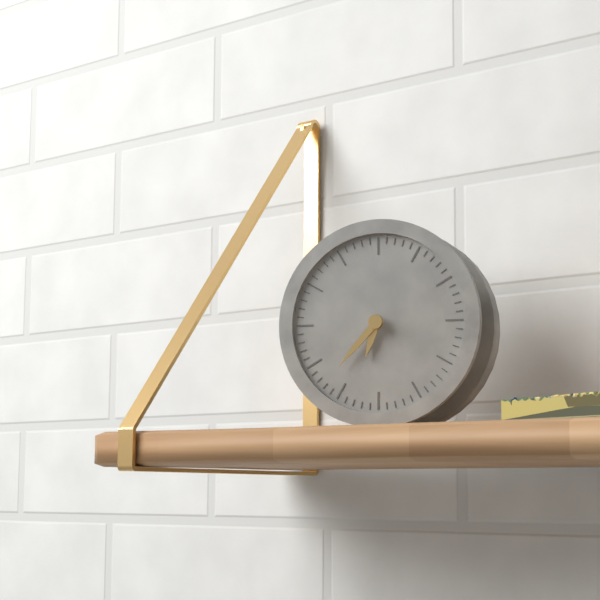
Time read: 6 h 37 min
